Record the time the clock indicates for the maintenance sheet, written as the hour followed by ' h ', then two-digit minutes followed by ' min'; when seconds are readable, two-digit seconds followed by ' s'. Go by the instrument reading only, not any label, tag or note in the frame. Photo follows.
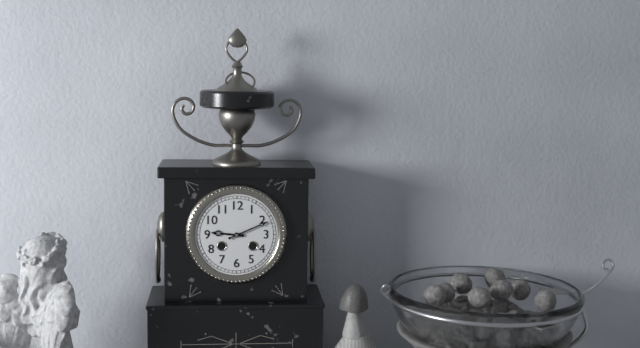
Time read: 9 h 11 min
